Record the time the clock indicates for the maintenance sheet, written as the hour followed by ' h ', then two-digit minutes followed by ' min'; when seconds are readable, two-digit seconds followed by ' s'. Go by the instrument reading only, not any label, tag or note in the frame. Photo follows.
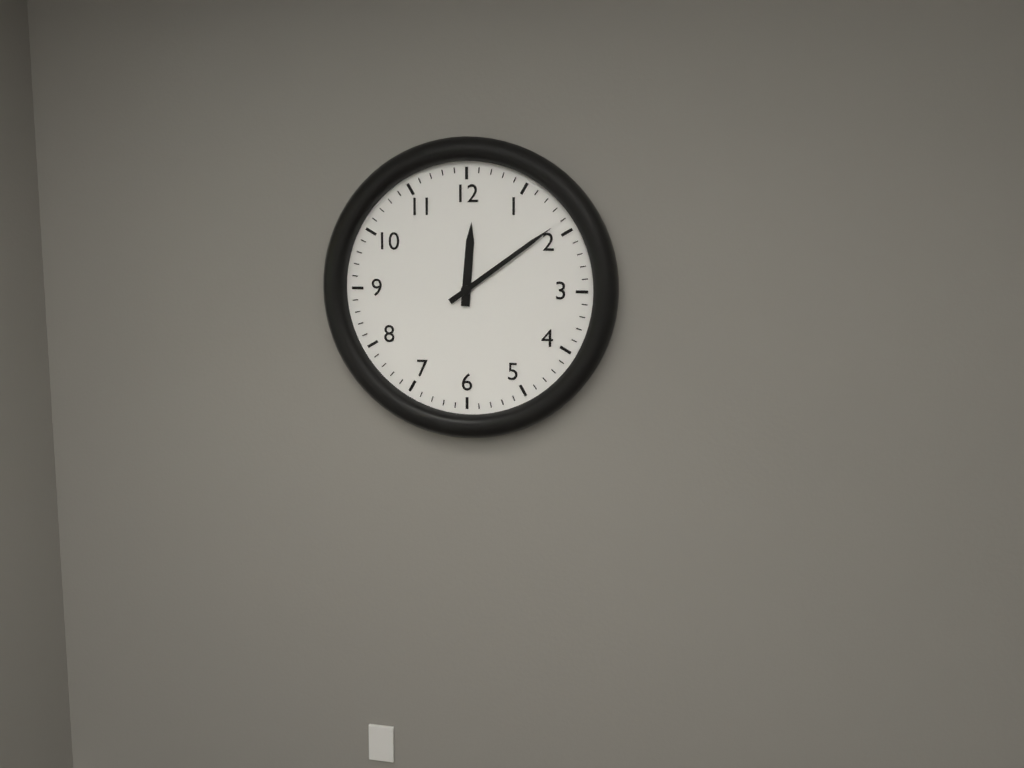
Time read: 12 h 09 min
